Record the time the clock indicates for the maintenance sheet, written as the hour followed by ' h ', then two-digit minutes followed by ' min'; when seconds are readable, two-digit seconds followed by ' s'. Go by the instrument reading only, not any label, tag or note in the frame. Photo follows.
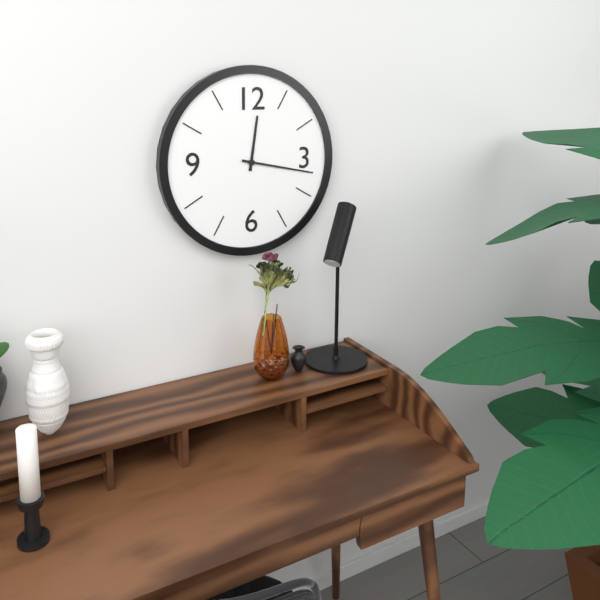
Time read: 12 h 17 min
